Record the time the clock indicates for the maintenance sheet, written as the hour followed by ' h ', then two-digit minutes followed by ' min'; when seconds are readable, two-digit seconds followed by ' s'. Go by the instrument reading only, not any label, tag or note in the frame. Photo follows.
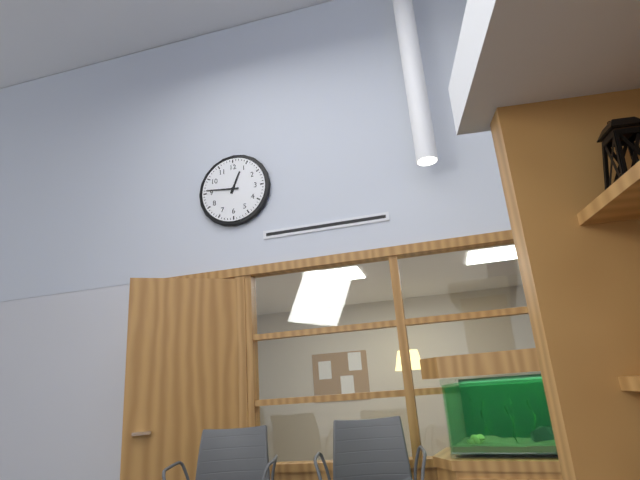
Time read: 12 h 46 min
